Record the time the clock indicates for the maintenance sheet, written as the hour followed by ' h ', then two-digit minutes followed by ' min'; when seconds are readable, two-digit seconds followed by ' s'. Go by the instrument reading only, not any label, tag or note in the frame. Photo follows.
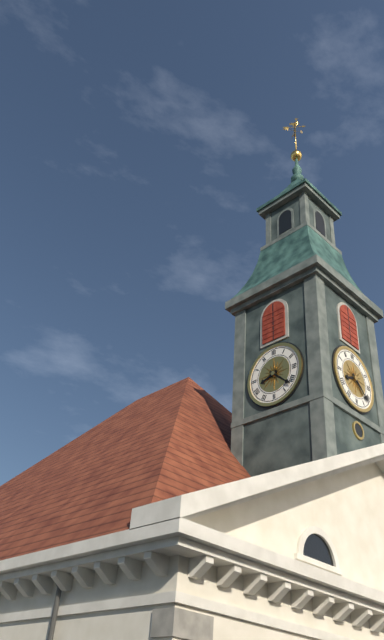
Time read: 8 h 22 min
